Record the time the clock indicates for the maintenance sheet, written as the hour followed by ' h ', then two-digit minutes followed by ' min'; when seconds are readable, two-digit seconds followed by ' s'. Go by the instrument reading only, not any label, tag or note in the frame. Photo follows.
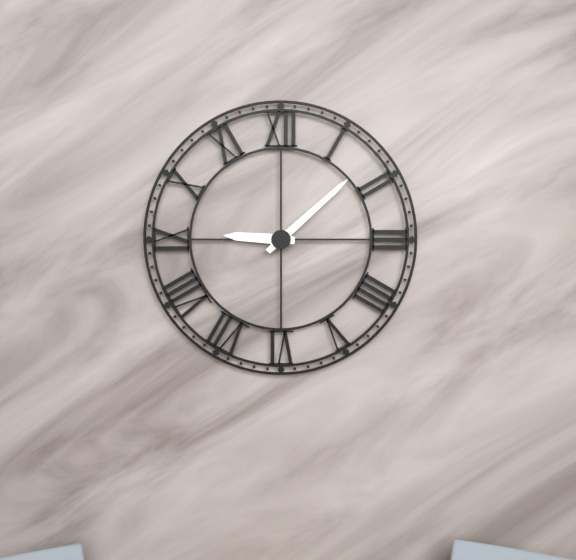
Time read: 9 h 08 min
